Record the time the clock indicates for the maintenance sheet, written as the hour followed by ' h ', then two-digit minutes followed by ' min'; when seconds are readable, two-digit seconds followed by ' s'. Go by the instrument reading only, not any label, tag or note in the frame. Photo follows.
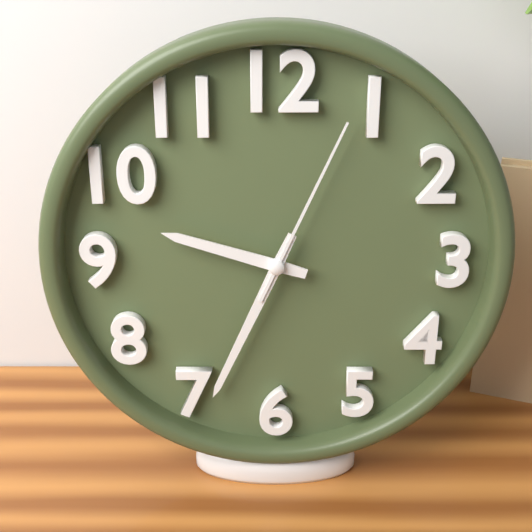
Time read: 9 h 34 min 04 s
